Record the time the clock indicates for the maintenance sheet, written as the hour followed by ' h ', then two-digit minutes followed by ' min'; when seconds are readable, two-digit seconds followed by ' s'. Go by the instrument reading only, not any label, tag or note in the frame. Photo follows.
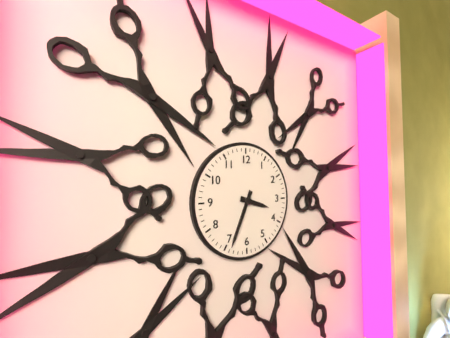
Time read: 3 h 34 min
